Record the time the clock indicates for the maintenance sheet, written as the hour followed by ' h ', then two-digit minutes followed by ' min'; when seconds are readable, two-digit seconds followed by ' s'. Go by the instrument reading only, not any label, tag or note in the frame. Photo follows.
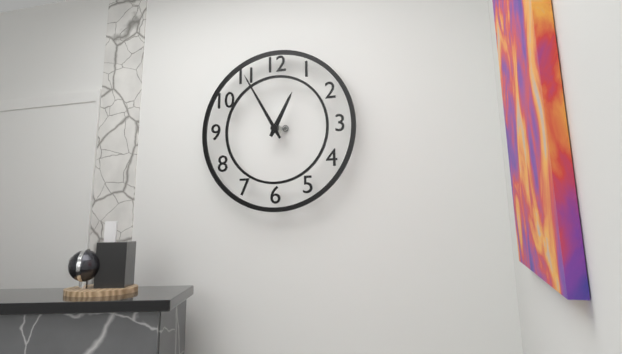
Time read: 12 h 55 min
